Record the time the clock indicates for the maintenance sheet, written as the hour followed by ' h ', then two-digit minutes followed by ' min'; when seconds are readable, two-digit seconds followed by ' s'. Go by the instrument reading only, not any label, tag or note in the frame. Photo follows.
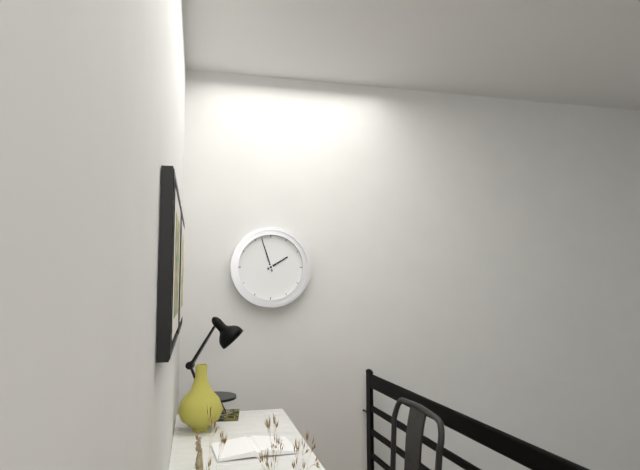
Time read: 1 h 57 min
